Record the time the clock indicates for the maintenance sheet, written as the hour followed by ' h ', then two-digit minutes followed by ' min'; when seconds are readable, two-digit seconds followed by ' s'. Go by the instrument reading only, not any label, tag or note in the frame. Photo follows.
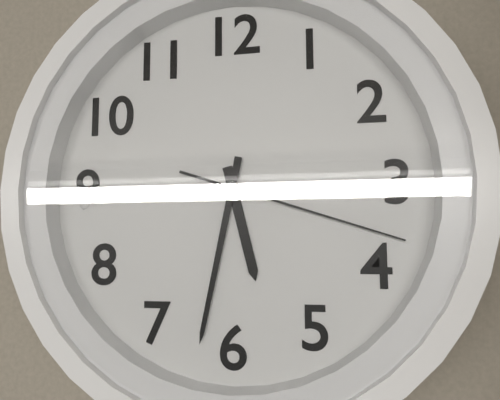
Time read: 5 h 32 min 18 s
